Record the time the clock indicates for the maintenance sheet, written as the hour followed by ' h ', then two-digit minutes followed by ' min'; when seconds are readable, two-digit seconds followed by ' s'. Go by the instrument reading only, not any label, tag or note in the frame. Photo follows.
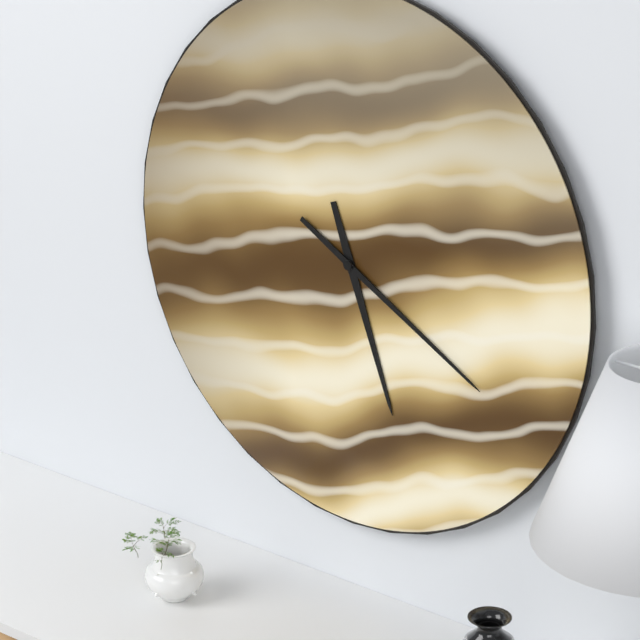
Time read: 5 h 20 min
